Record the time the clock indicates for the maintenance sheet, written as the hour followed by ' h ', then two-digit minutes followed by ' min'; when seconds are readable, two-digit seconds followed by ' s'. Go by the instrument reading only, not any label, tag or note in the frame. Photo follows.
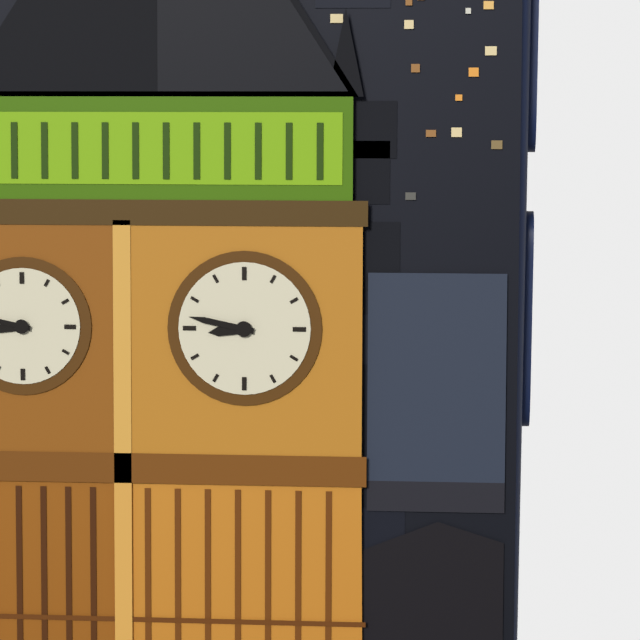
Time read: 8 h 47 min
